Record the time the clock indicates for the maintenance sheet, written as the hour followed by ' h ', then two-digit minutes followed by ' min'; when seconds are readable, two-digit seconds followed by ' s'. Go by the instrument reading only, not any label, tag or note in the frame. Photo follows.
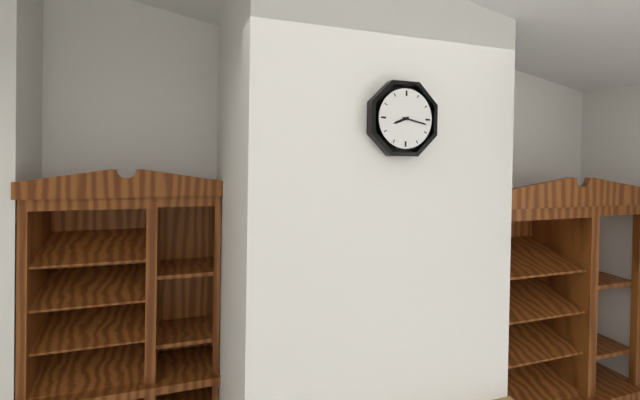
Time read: 8 h 17 min
